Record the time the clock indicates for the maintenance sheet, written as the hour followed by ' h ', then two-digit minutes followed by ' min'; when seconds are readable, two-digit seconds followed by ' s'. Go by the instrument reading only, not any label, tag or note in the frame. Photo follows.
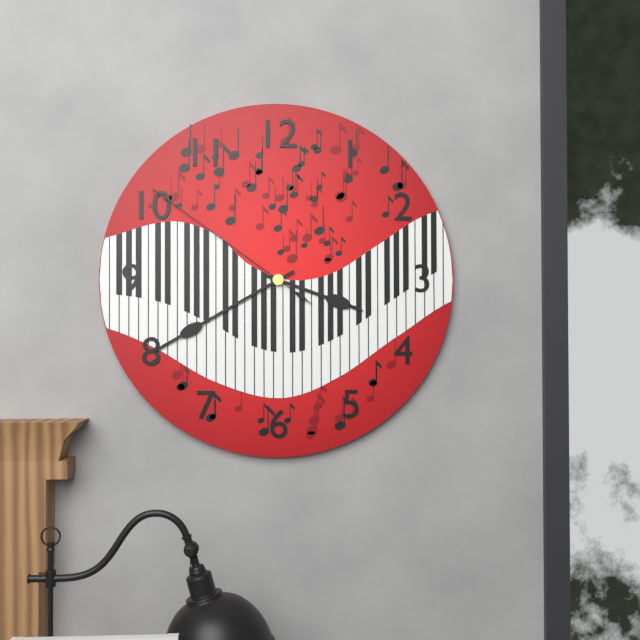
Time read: 3 h 40 min 51 s
